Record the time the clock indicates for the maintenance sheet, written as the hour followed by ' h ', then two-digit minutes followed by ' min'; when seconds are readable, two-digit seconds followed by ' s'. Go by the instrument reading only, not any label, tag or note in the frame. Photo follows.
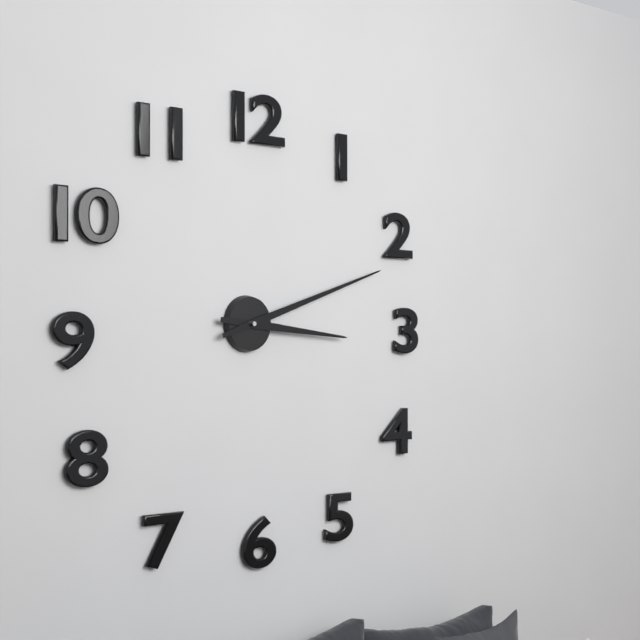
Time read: 3 h 12 min
